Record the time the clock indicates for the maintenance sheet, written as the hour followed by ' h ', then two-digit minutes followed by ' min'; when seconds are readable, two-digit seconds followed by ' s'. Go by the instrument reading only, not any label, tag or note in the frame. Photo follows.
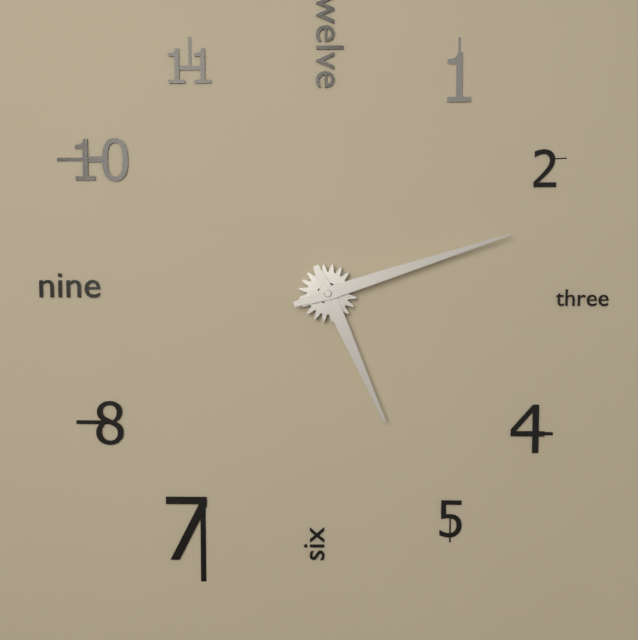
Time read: 5 h 12 min
